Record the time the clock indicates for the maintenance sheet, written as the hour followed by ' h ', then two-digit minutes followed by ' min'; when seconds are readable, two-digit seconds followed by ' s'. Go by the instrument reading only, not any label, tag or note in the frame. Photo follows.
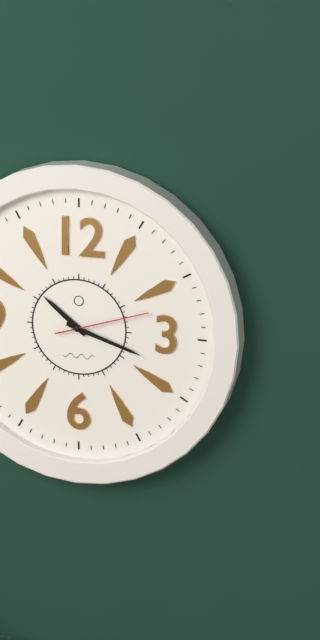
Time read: 10 h 18 min 12 s
